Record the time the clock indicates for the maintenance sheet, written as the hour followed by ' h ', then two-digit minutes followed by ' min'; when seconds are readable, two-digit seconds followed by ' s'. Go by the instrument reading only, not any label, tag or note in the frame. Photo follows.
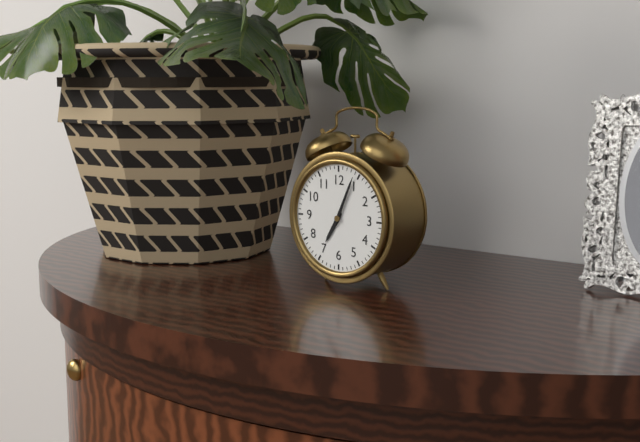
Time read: 7 h 04 min
